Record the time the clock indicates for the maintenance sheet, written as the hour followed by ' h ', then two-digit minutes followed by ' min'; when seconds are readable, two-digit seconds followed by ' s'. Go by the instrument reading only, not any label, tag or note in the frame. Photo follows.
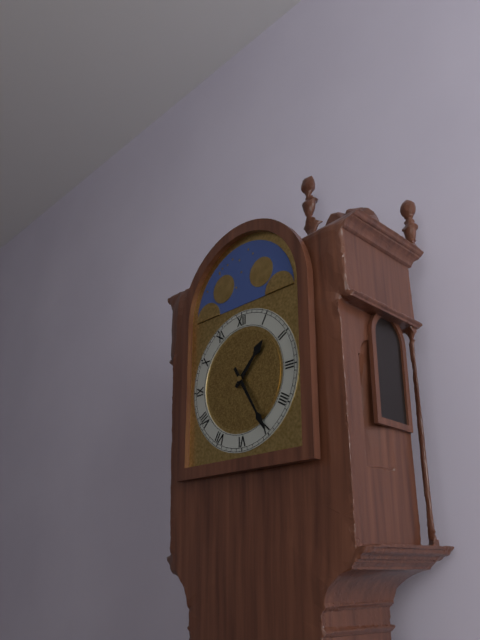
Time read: 1 h 25 min
